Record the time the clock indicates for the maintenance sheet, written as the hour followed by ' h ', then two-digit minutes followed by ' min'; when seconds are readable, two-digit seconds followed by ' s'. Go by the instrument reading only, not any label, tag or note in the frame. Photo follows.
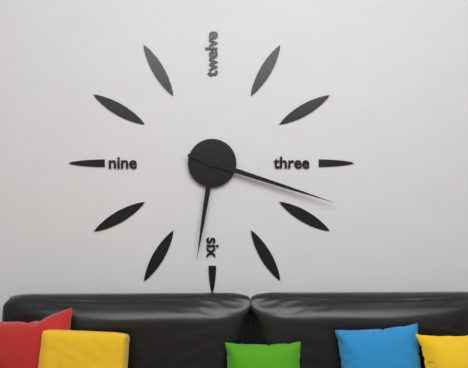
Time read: 6 h 18 min
